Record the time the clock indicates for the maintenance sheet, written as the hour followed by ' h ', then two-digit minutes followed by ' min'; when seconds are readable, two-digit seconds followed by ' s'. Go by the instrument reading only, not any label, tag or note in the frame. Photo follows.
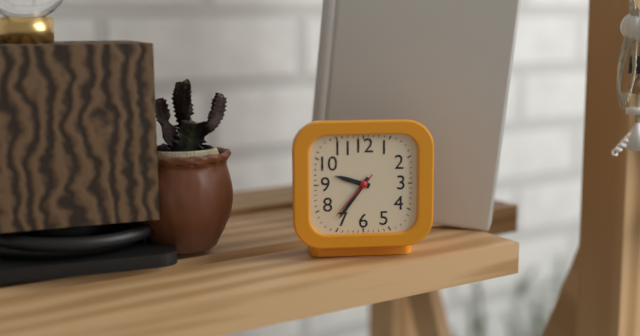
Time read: 9 h 36 min 37 s
